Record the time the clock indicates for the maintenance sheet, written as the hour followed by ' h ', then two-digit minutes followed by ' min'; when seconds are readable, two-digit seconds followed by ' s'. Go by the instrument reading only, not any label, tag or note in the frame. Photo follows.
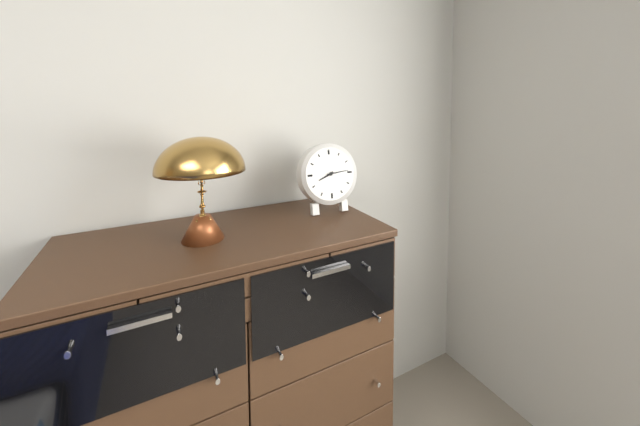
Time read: 8 h 14 min
